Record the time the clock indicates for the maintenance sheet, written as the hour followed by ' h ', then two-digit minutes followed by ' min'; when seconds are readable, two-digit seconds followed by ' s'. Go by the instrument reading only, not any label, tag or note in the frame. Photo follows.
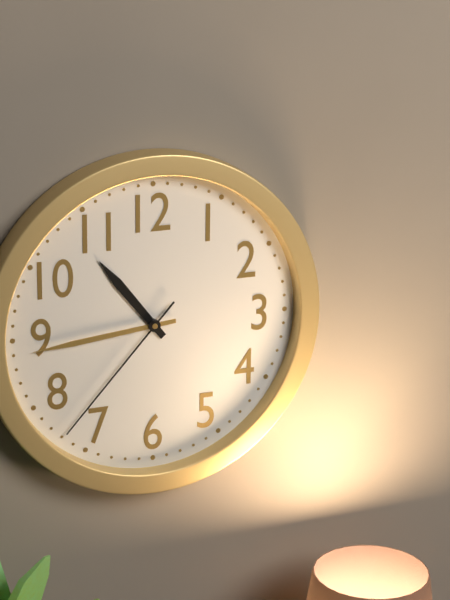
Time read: 10 h 44 min 37 s
